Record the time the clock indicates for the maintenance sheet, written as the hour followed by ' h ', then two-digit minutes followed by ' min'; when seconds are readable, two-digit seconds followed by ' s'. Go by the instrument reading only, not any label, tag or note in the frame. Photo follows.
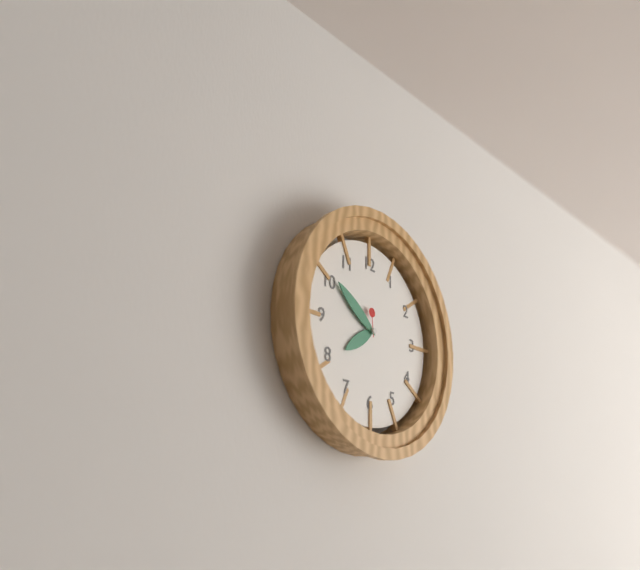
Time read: 7 h 51 min
